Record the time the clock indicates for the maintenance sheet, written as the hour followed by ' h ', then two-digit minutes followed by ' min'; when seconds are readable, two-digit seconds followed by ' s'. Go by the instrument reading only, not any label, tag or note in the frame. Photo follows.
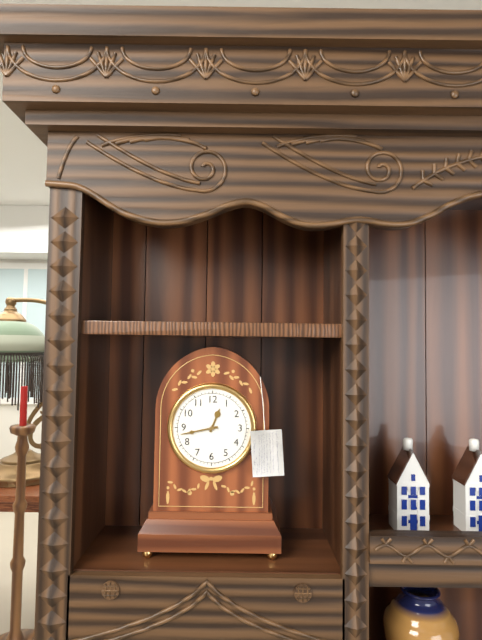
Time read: 12 h 43 min
